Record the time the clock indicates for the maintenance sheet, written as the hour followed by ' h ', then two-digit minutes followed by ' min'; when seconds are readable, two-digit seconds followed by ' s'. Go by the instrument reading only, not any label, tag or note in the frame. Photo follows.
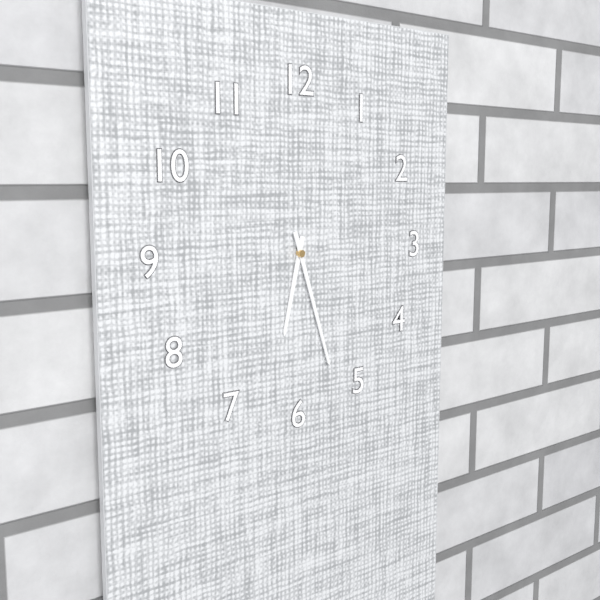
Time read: 6 h 27 min
